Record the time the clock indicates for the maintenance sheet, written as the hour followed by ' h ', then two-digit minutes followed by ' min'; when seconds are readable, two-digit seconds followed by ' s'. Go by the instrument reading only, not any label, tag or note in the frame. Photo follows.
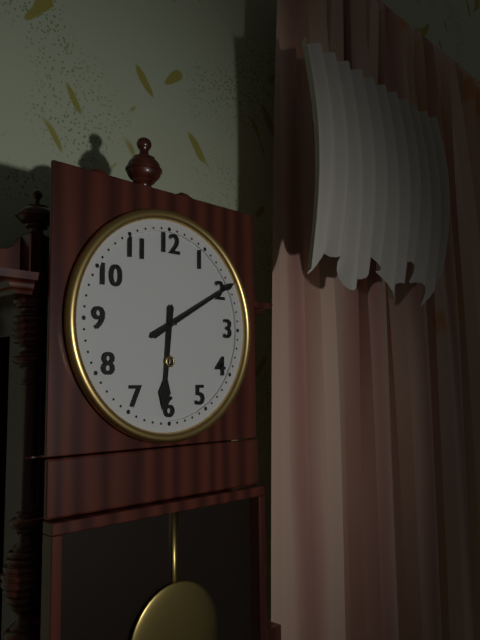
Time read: 6 h 10 min
